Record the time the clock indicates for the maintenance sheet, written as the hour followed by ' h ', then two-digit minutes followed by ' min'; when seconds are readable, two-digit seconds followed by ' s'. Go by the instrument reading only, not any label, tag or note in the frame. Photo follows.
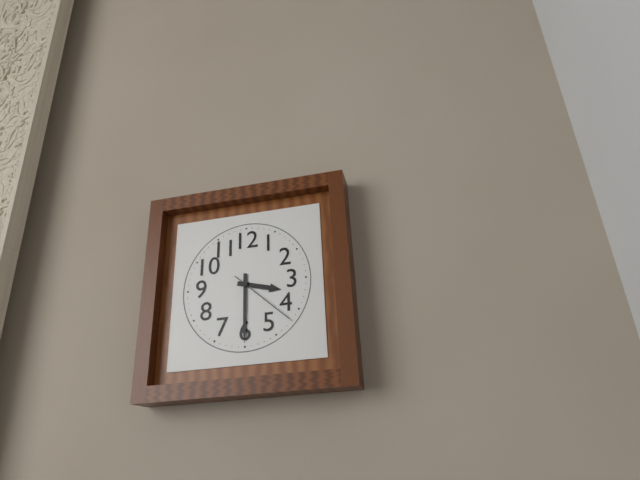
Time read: 3 h 30 min 22 s
